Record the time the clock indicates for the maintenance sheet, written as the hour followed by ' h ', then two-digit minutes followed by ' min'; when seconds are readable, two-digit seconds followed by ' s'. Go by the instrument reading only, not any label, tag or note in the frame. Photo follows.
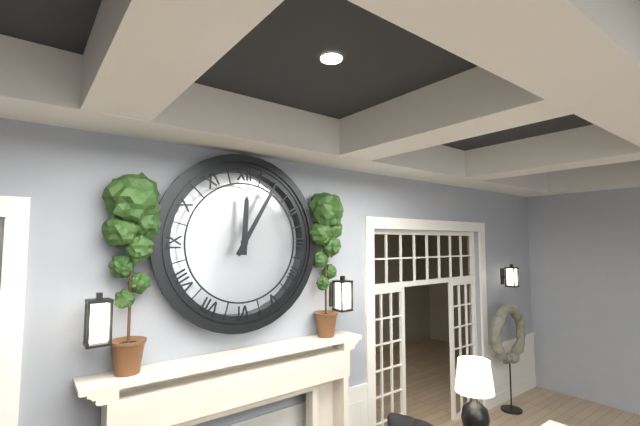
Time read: 12 h 05 min
